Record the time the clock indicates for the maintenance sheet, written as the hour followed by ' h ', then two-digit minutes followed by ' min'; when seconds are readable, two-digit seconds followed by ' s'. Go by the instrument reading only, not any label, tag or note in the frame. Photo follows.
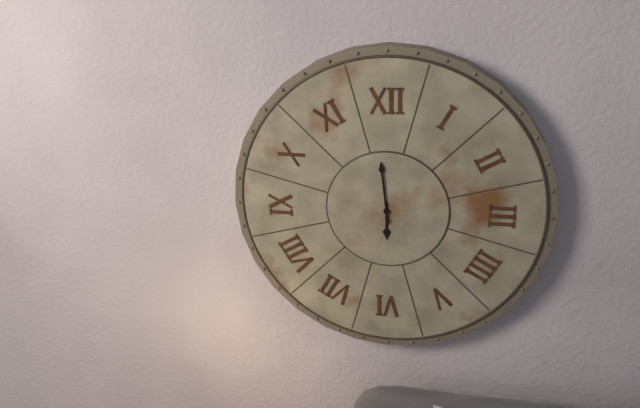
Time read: 5 h 59 min
